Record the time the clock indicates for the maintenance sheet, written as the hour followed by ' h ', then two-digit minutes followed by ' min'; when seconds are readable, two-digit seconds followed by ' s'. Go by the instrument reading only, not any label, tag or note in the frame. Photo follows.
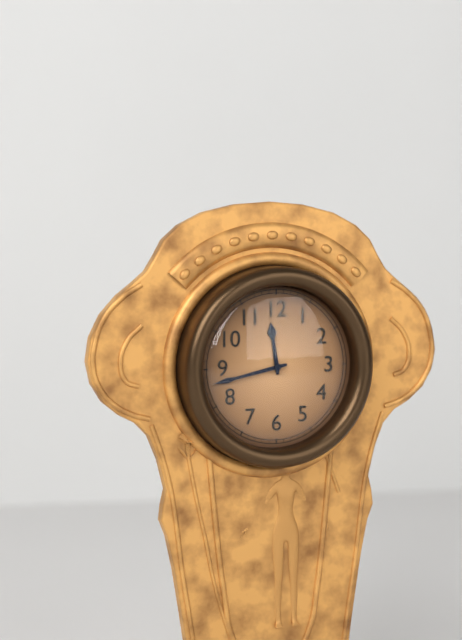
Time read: 11 h 43 min
